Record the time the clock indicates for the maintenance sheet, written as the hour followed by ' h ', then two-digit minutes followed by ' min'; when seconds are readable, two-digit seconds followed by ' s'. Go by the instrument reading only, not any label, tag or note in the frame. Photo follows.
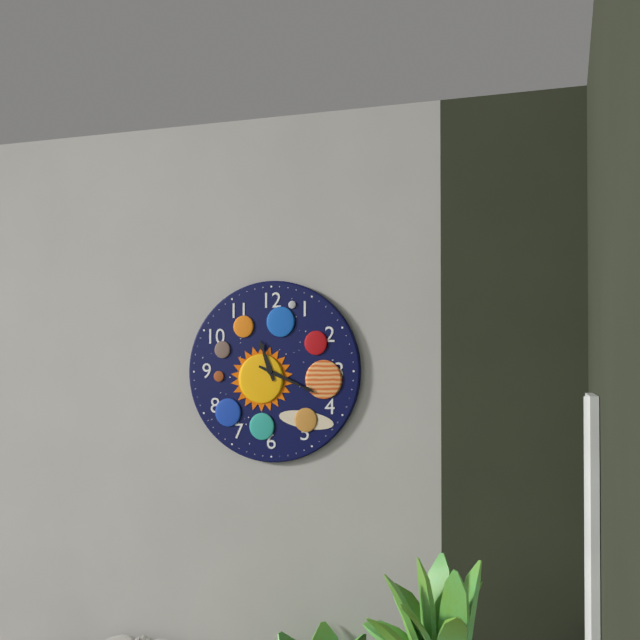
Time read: 11 h 19 min
